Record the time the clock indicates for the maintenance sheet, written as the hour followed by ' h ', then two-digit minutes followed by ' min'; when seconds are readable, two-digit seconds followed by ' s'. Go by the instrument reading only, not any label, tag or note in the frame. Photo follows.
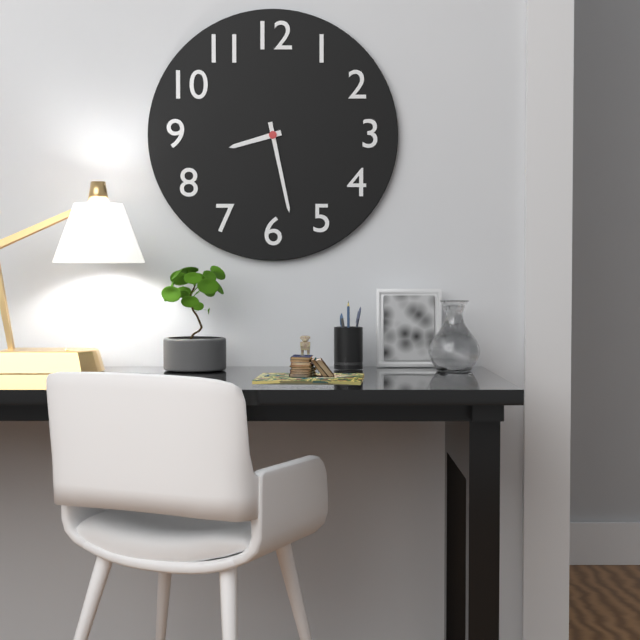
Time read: 8 h 28 min
